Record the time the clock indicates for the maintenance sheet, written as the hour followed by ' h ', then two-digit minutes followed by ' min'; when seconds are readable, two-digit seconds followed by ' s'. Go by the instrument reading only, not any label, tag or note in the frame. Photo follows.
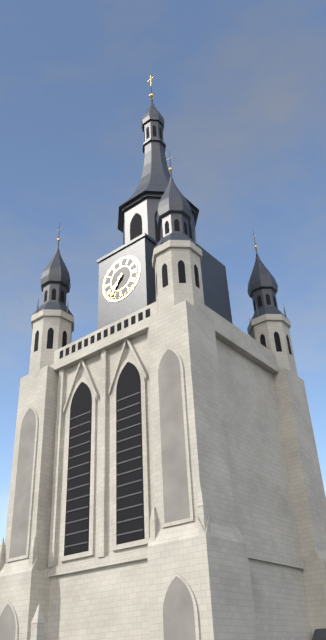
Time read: 7 h 36 min
